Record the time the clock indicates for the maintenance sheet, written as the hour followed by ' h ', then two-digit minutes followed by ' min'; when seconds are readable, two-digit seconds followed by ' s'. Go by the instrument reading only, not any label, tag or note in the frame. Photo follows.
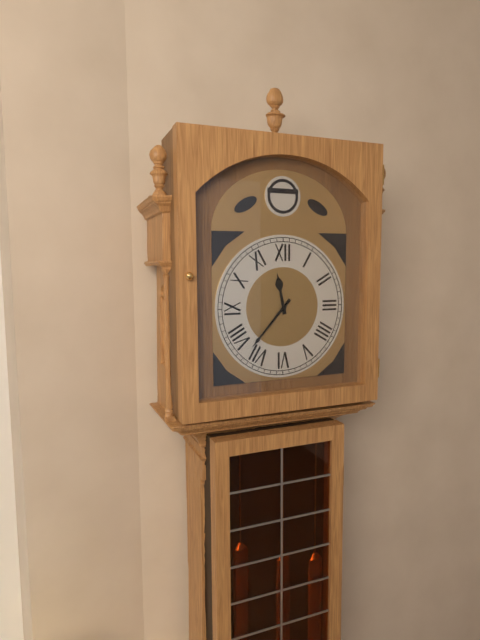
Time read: 11 h 37 min
